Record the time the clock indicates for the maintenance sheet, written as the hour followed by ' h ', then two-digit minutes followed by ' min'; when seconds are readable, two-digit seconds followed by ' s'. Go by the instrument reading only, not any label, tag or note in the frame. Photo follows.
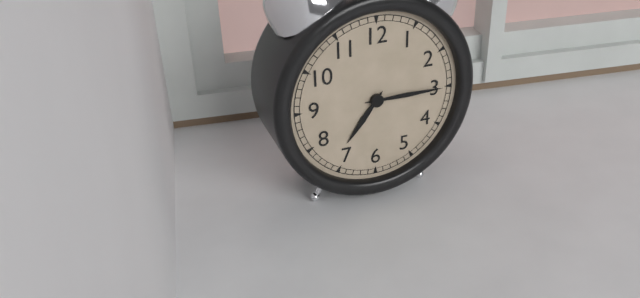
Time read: 7 h 15 min
